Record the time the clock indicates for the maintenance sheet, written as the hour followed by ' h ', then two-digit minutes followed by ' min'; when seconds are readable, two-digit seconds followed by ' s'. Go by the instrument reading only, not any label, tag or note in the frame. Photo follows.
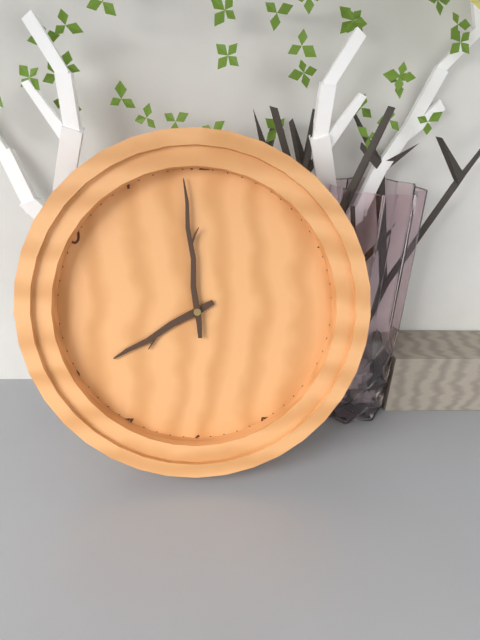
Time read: 7 h 59 min
